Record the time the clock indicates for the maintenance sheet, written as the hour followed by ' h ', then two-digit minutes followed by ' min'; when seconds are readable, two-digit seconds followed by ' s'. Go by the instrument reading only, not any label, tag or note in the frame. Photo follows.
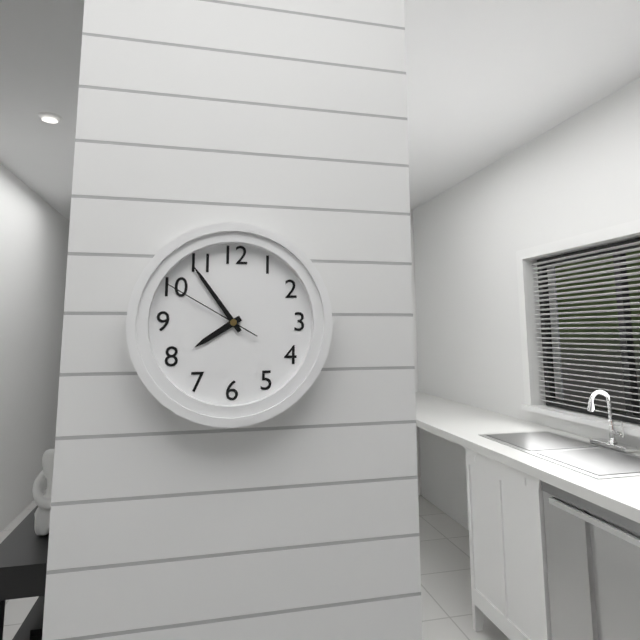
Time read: 7 h 54 min 50 s
